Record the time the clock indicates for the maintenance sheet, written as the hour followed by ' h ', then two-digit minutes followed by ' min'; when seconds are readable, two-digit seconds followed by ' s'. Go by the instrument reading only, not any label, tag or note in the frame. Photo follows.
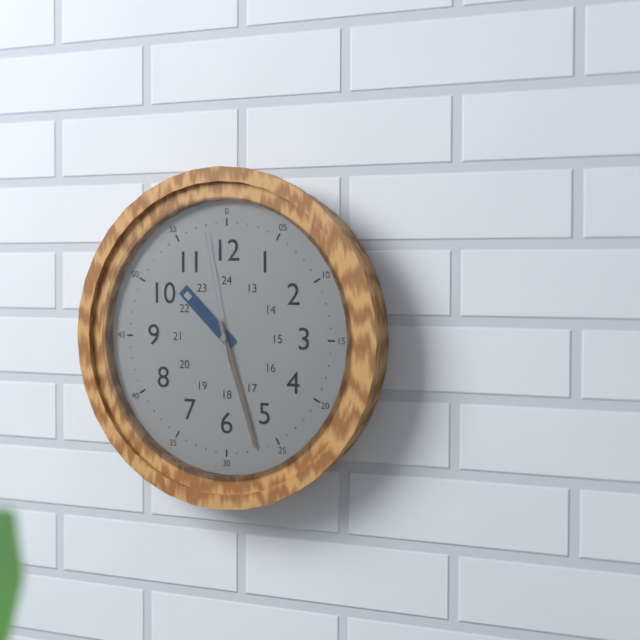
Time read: 10 h 27 min 58 s
